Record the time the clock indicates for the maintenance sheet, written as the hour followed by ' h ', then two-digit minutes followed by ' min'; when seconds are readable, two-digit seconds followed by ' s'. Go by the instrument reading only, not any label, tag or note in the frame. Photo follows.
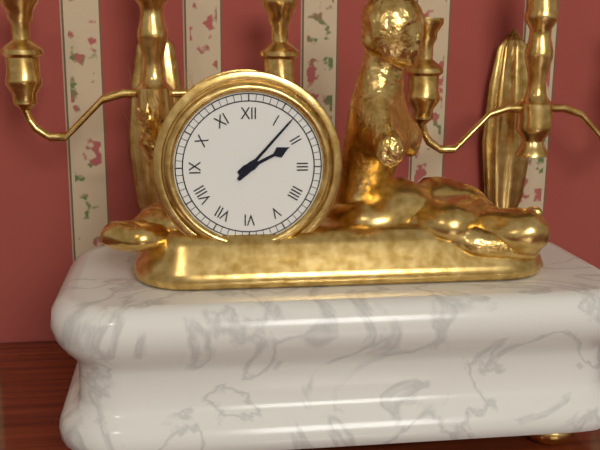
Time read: 2 h 07 min
